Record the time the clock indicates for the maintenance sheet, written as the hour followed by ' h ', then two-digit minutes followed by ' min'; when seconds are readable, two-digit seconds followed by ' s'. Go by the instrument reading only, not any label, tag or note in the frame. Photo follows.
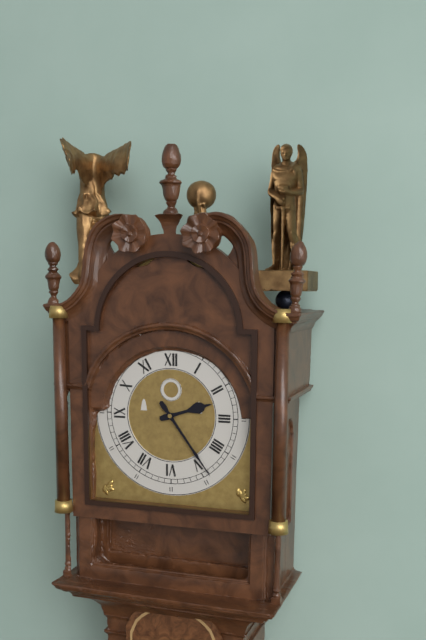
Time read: 2 h 24 min
